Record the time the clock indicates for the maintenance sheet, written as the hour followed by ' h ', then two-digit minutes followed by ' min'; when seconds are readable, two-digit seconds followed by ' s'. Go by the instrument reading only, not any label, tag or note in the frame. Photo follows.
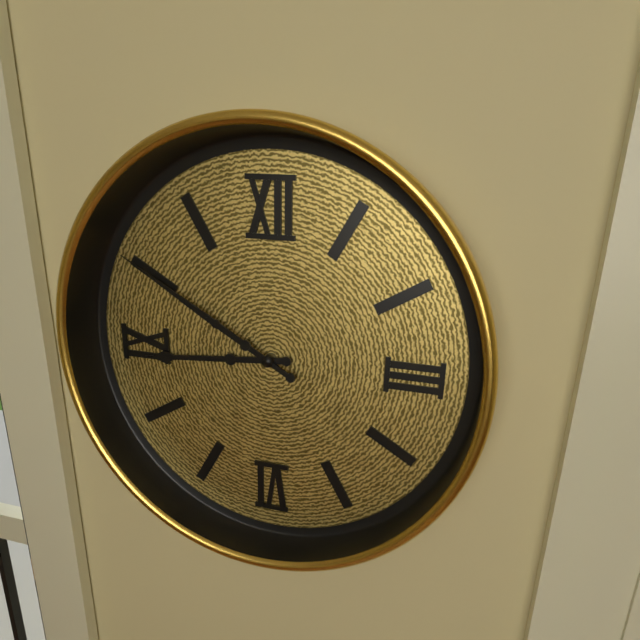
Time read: 8 h 50 min
